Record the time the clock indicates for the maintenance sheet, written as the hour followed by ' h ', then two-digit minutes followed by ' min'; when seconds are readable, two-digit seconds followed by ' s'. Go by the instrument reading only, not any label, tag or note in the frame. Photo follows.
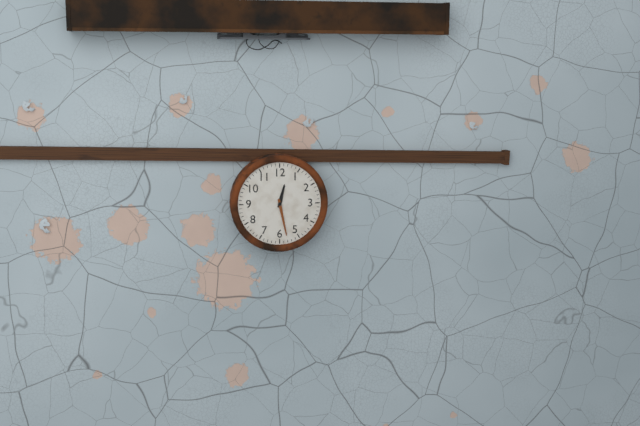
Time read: 12 h 28 min
